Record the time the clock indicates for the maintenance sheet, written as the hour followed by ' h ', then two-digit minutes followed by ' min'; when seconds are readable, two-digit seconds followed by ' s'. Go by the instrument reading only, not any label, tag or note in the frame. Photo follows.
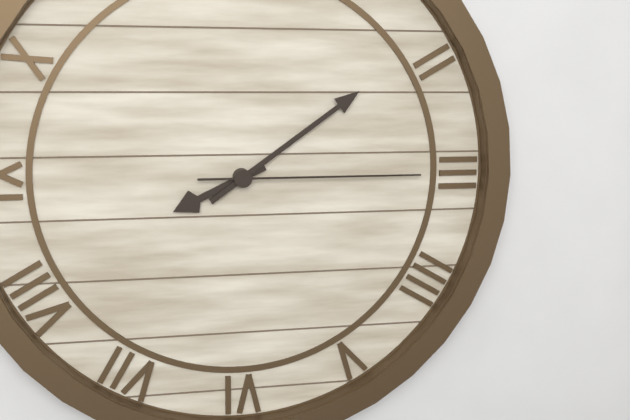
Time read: 8 h 09 min 15 s
